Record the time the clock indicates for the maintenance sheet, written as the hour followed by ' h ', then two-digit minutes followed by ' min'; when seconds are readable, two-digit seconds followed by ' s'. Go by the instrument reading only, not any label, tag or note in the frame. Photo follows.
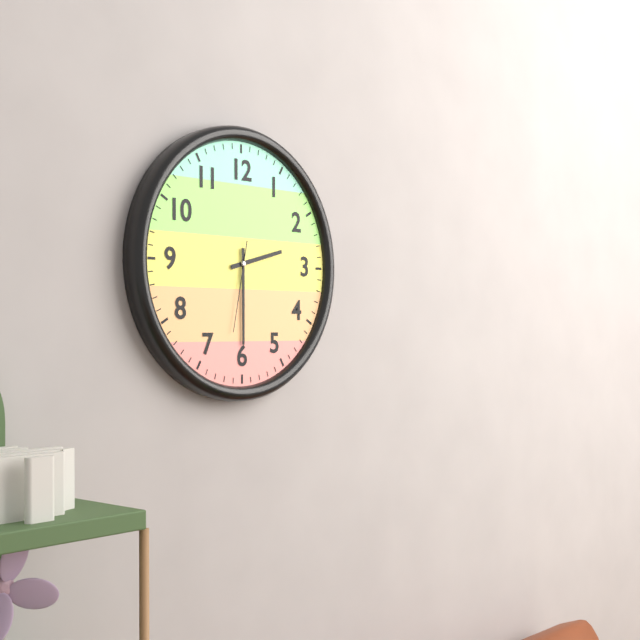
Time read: 2 h 30 min 32 s
